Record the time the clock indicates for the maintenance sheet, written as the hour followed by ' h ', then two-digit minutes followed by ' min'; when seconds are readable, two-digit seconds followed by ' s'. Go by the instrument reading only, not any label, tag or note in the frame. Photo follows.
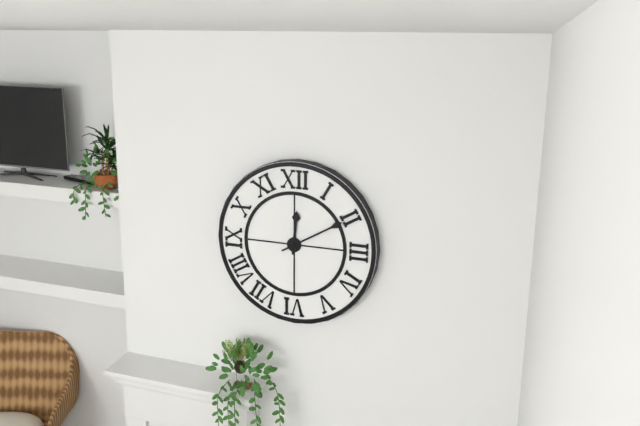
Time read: 12 h 10 min
